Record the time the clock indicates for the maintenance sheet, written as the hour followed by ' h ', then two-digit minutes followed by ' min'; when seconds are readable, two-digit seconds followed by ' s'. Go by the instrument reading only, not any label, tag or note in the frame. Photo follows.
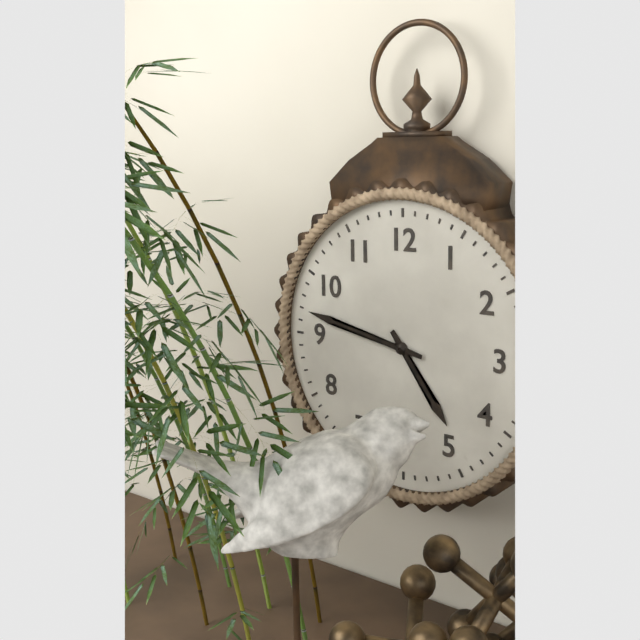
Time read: 4 h 47 min
